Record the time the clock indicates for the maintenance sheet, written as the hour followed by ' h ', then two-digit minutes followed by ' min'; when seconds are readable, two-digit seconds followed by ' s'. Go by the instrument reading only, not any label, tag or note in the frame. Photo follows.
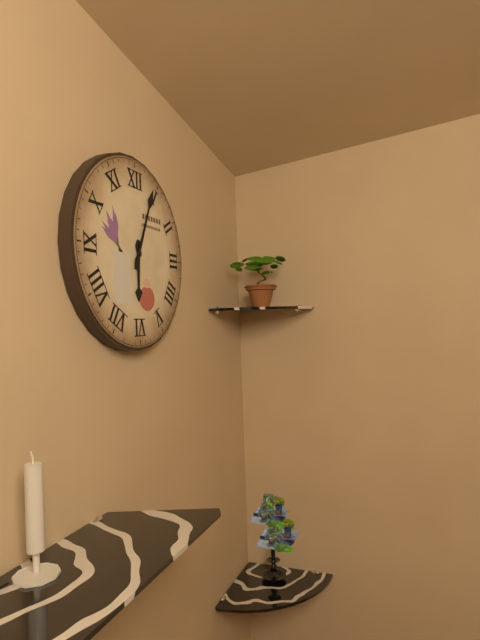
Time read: 6 h 04 min
